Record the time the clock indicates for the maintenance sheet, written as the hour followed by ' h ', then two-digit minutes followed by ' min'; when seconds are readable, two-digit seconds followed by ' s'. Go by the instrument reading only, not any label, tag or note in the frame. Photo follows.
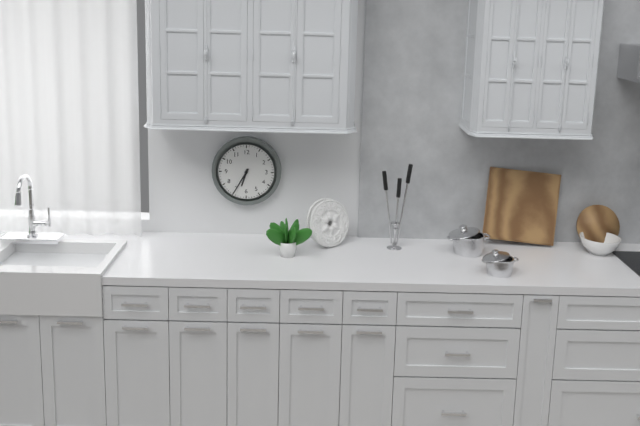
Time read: 6 h 35 min
